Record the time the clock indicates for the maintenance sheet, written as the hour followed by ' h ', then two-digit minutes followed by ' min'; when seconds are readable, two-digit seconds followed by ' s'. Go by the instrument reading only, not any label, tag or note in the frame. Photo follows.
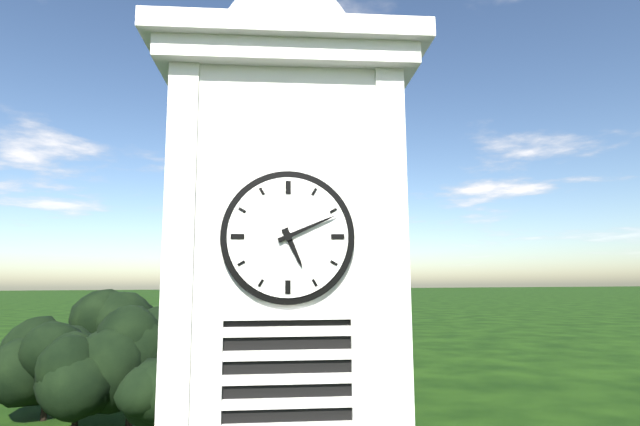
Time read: 5 h 11 min
